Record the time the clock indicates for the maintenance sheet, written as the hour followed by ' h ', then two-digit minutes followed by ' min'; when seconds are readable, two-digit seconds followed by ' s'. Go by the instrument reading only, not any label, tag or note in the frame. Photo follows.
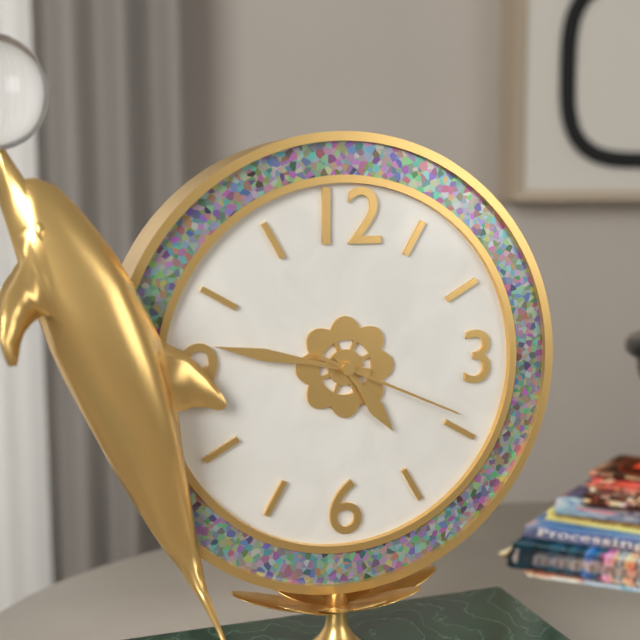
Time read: 4 h 47 min 19 s
